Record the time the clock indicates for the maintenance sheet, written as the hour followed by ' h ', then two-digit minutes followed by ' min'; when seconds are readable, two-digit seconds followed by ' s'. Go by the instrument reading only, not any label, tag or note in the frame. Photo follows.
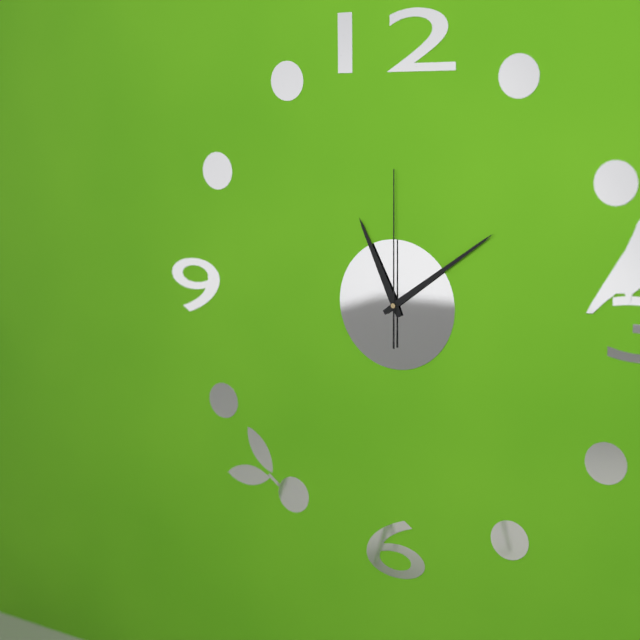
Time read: 11 h 09 min 00 s
